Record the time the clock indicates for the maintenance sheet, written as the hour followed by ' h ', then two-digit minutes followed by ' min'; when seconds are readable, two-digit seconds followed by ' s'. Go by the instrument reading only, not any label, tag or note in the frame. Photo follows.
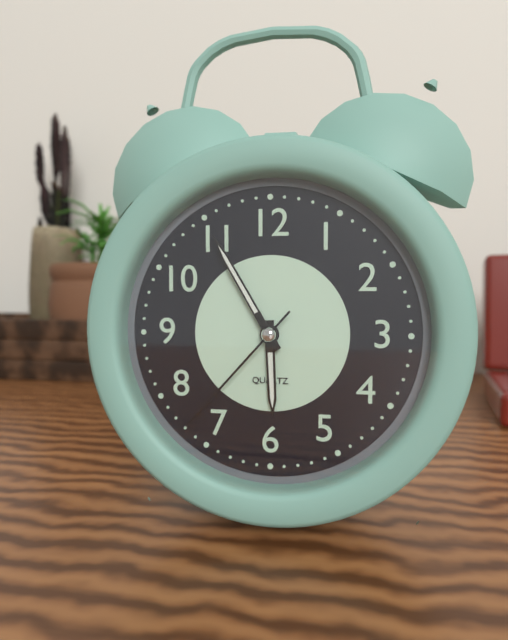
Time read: 5 h 55 min 37 s
